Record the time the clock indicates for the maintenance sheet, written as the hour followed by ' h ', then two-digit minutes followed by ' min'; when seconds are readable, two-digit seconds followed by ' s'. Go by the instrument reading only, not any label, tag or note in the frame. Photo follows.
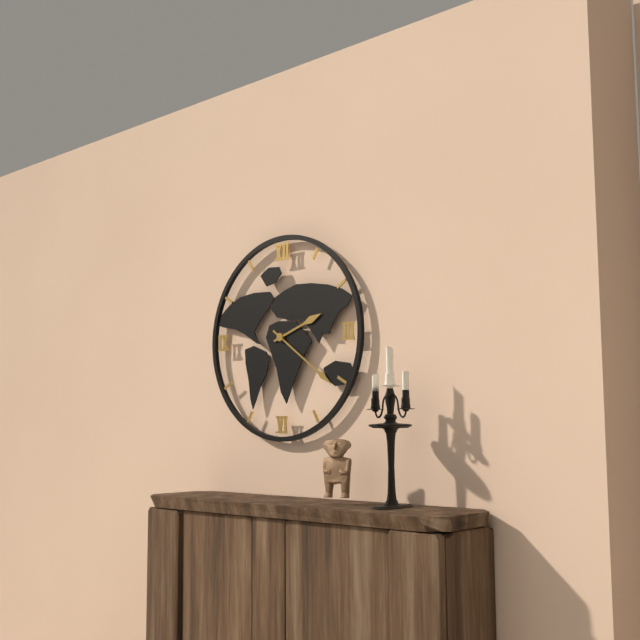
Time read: 2 h 21 min
